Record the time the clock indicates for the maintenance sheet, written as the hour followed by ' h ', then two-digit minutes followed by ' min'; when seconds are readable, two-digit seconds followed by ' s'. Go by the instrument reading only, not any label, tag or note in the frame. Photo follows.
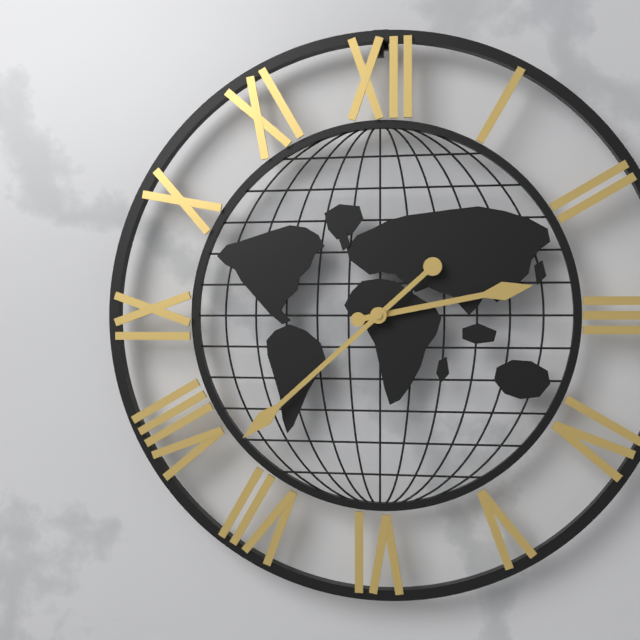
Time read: 2 h 38 min
